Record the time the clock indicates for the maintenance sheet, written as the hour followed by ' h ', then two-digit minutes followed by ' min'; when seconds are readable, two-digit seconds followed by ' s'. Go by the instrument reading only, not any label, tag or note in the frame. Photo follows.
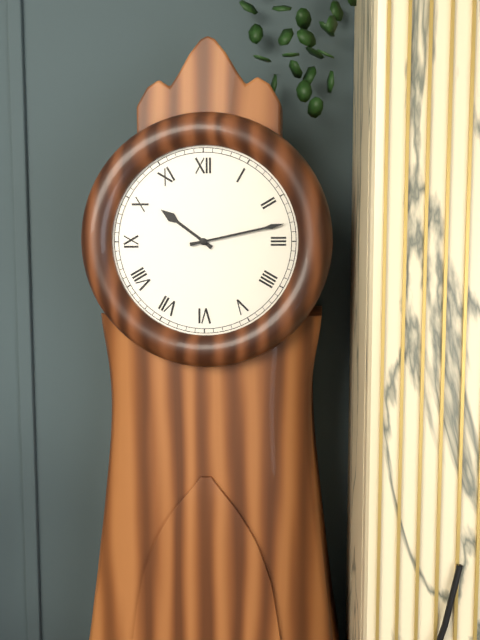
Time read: 10 h 13 min
